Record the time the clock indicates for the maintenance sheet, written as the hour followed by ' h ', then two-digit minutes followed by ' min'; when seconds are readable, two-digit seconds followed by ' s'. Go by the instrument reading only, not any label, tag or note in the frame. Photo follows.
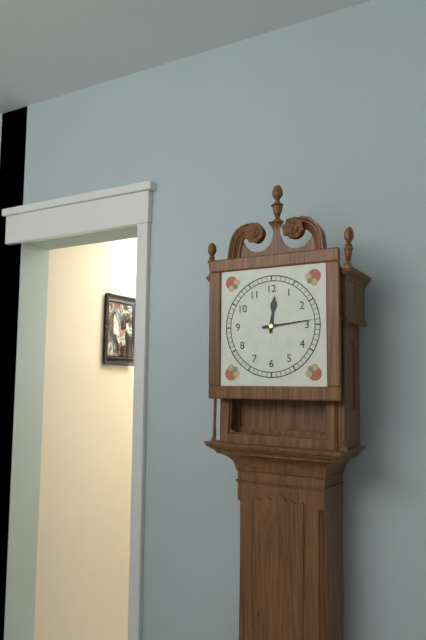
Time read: 12 h 14 min
